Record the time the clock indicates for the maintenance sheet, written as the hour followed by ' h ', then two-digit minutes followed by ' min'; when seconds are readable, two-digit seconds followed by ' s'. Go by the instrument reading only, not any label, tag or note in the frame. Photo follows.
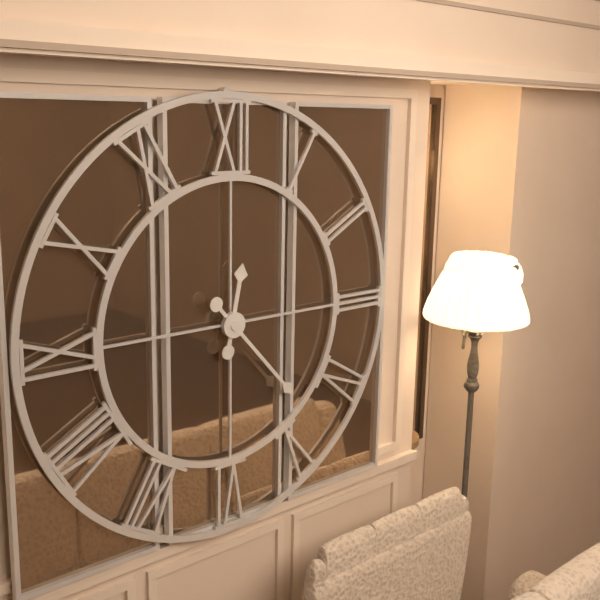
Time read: 12 h 23 min
